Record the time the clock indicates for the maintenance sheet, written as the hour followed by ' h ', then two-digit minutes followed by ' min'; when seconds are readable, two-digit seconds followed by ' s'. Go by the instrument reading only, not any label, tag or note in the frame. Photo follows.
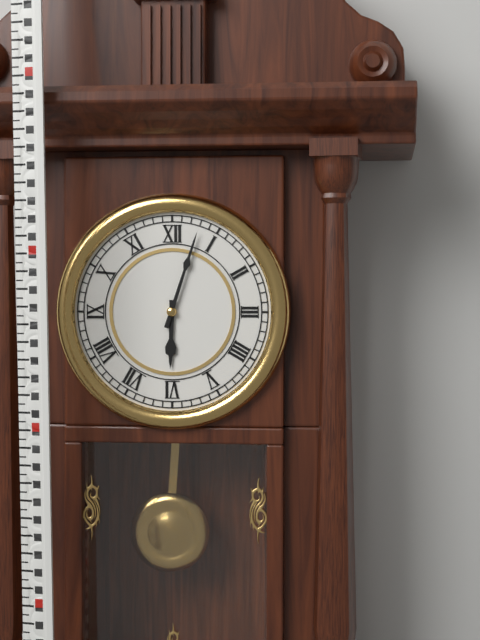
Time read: 6 h 03 min
